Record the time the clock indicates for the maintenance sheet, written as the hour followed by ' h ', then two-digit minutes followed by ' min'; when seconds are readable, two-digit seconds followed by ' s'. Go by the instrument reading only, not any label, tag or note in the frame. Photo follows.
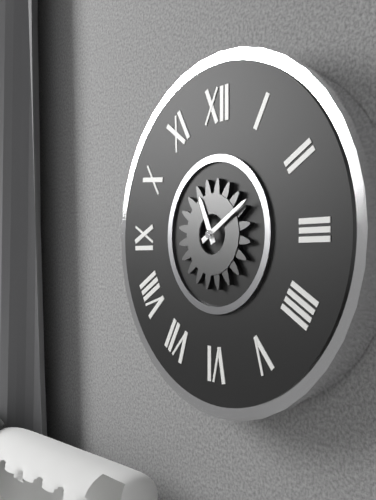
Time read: 11 h 10 min
